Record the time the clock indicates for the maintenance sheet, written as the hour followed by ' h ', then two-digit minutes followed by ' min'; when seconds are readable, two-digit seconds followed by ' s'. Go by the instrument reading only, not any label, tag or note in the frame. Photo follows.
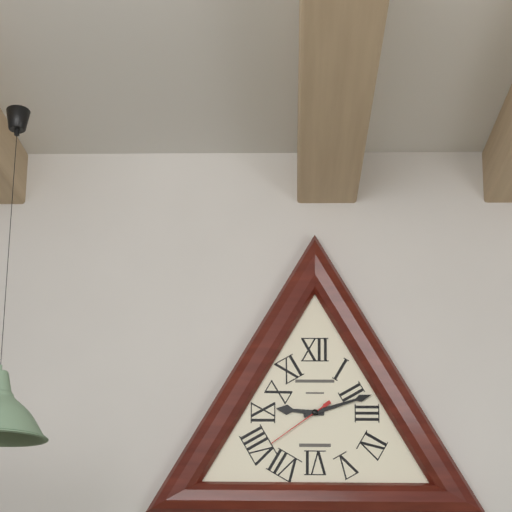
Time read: 9 h 12 min 39 s
